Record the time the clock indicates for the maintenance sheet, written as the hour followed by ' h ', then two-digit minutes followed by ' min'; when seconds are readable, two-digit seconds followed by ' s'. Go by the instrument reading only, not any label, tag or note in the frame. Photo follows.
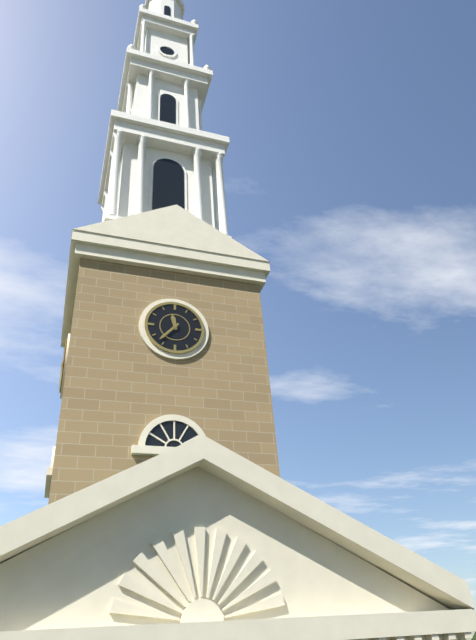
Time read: 11 h 37 min
